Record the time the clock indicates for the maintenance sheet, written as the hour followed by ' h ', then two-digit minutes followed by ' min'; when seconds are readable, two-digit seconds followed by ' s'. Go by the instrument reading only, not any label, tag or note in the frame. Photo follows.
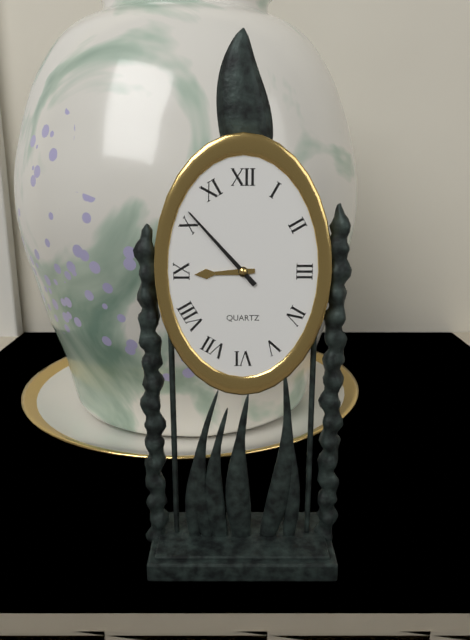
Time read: 8 h 53 min
